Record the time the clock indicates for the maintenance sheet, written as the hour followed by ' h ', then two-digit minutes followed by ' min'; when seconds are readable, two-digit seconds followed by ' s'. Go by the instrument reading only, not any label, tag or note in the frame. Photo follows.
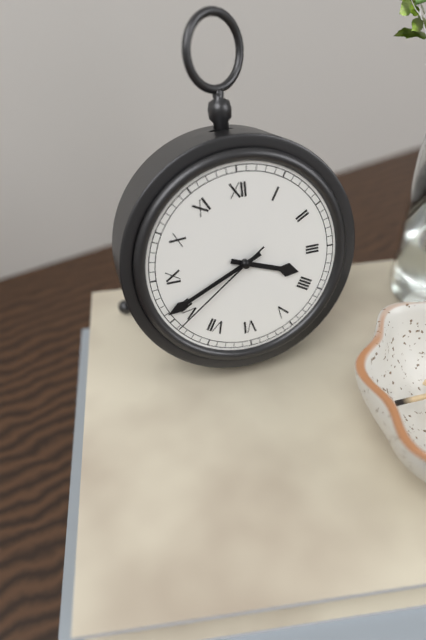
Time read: 3 h 41 min 39 s
